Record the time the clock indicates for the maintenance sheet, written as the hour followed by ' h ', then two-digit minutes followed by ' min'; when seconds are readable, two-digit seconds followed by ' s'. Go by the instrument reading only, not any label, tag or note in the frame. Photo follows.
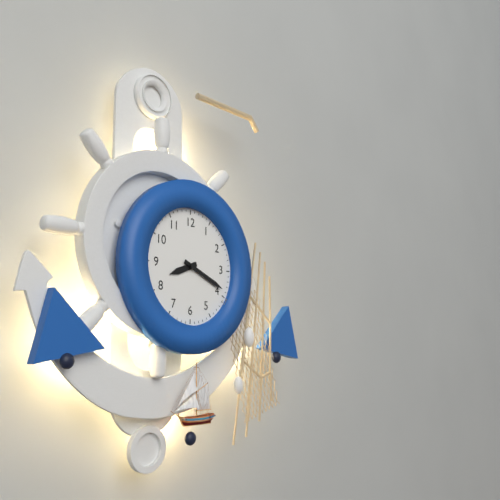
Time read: 8 h 19 min
